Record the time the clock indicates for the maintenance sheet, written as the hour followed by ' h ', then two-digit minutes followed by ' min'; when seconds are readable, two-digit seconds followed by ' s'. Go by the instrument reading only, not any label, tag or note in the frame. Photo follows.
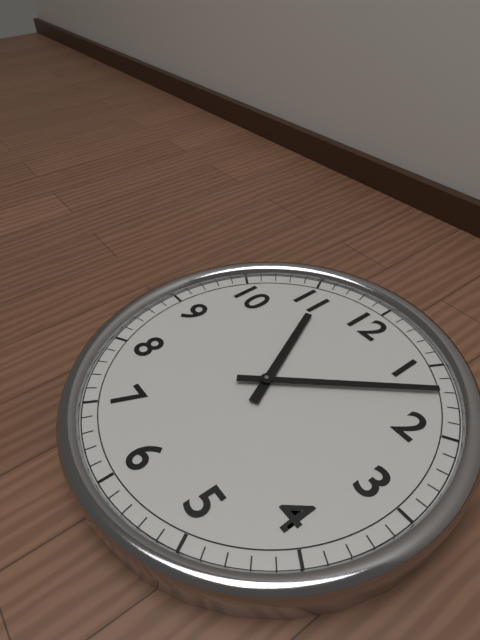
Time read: 11 h 07 min
